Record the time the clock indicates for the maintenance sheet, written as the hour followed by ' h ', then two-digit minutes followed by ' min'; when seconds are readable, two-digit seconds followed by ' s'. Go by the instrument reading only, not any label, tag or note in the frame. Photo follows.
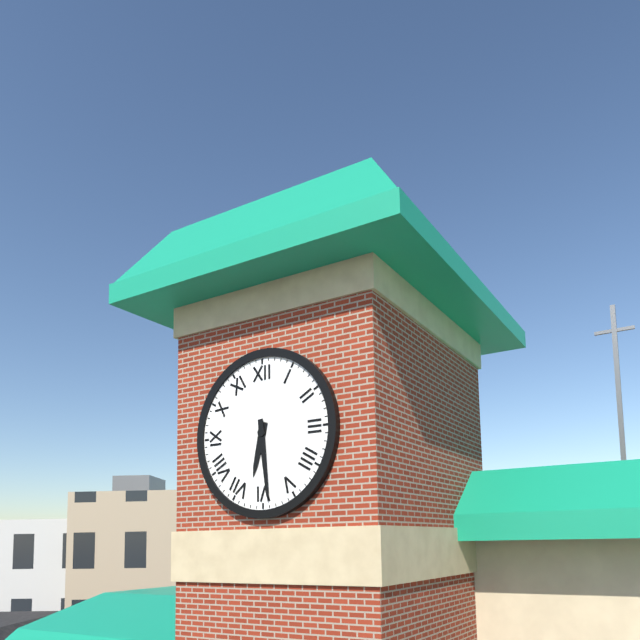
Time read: 6 h 29 min
